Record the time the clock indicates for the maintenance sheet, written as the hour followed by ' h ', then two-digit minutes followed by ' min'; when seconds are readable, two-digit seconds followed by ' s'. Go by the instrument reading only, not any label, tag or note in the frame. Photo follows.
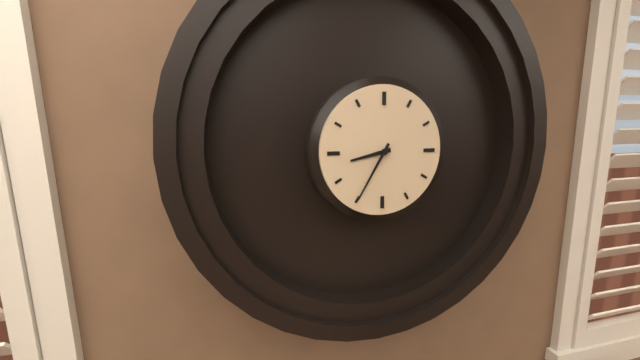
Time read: 8 h 35 min
